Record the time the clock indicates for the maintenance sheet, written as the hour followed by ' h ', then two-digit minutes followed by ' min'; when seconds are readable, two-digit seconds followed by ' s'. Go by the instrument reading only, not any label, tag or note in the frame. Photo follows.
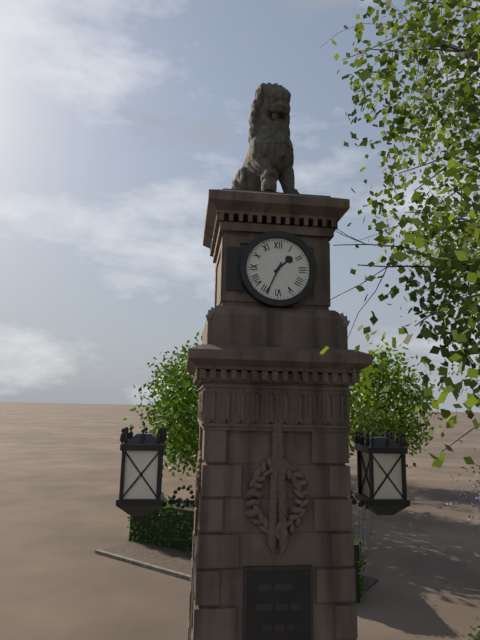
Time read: 1 h 34 min
